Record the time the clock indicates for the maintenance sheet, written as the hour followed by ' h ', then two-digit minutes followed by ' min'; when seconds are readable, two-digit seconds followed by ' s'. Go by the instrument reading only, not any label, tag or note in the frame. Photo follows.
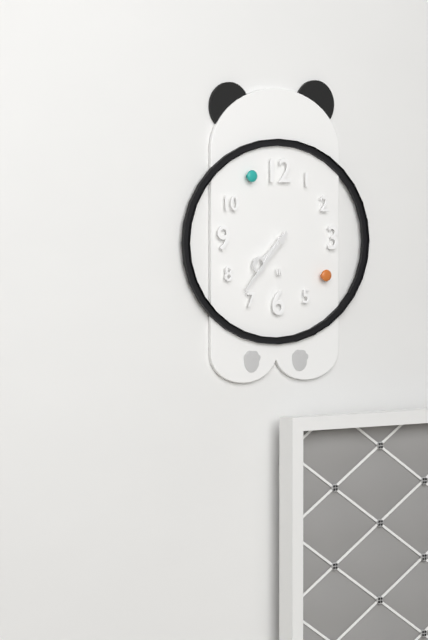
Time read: 7 h 37 min
